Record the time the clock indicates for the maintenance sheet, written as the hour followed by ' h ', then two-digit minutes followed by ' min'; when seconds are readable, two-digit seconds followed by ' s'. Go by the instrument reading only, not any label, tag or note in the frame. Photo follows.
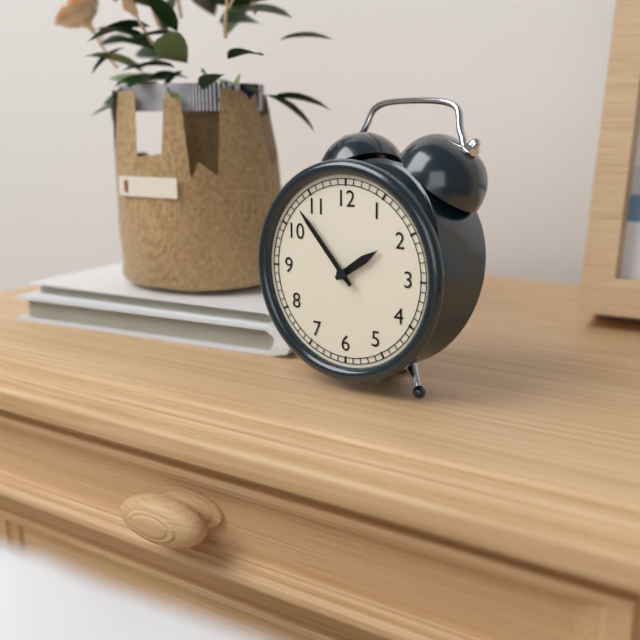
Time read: 1 h 53 min
